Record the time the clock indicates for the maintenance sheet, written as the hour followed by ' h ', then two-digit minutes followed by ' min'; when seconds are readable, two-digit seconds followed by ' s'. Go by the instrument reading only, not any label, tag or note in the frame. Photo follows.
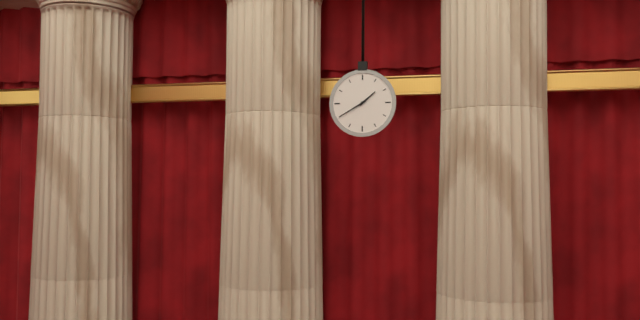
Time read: 1 h 40 min
